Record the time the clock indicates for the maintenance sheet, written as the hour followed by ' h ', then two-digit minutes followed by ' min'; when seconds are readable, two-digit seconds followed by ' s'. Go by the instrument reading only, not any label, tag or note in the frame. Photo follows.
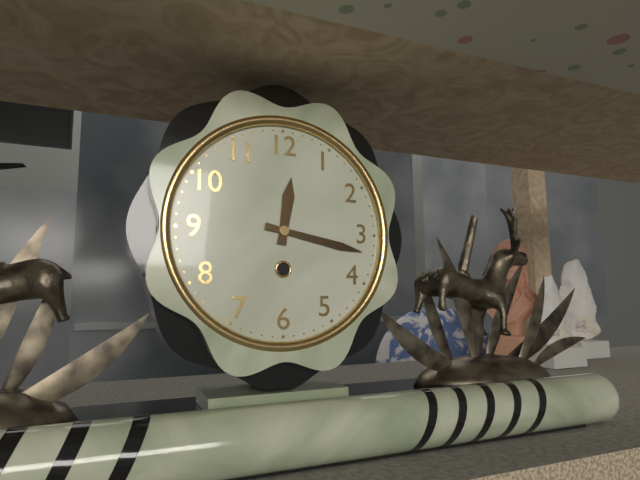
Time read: 12 h 17 min
